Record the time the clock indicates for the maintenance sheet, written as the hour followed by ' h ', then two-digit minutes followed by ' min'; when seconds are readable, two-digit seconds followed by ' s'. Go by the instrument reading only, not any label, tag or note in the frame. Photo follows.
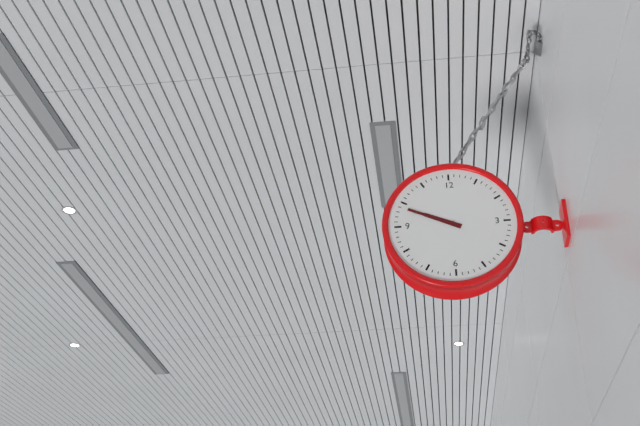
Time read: 9 h 49 min
